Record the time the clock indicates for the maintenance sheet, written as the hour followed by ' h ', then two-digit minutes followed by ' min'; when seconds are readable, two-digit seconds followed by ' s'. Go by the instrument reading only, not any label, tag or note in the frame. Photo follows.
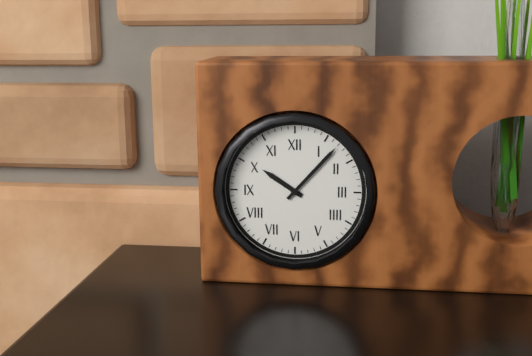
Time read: 10 h 07 min
